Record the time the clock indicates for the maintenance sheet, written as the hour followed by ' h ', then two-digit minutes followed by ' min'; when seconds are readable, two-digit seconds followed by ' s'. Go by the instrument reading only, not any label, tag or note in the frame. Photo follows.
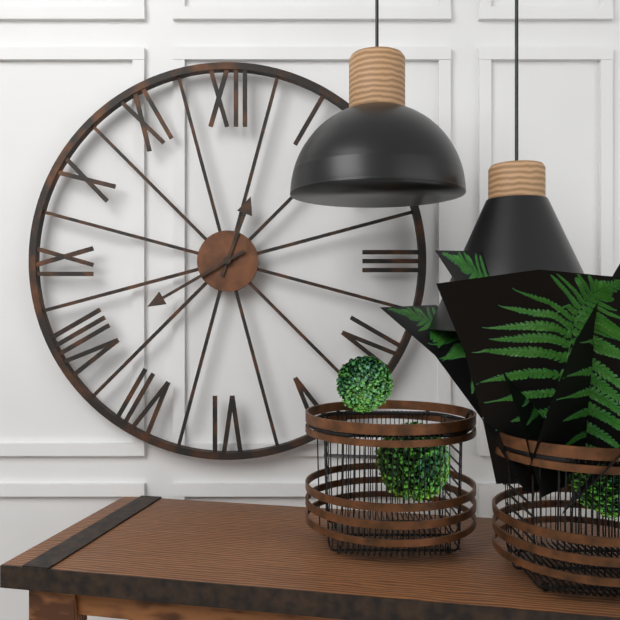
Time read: 12 h 40 min
